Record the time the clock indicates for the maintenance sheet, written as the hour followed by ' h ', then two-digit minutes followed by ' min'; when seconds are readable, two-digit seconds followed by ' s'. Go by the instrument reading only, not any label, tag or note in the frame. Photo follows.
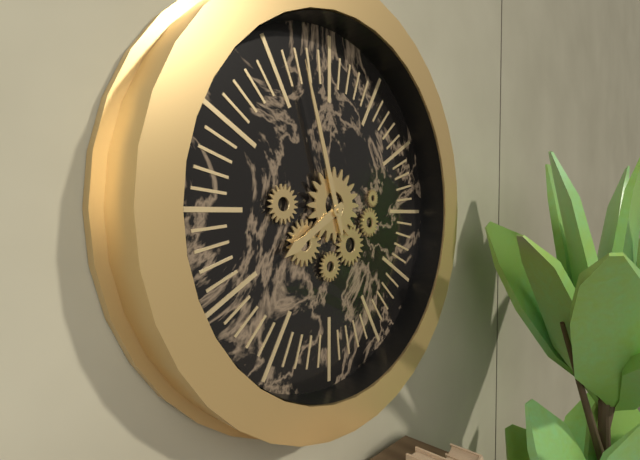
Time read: 7 h 57 min
